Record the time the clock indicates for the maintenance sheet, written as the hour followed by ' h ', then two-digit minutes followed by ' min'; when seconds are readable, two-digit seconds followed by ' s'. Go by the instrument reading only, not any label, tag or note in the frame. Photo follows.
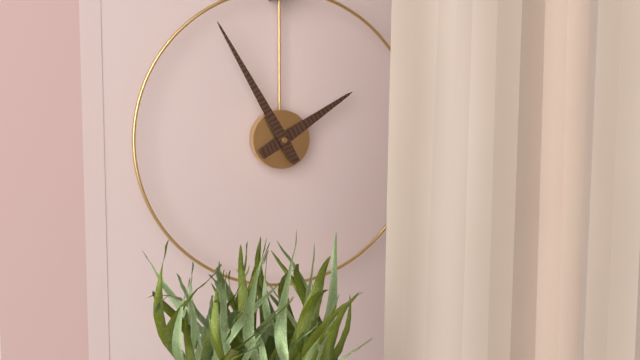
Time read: 1 h 55 min
